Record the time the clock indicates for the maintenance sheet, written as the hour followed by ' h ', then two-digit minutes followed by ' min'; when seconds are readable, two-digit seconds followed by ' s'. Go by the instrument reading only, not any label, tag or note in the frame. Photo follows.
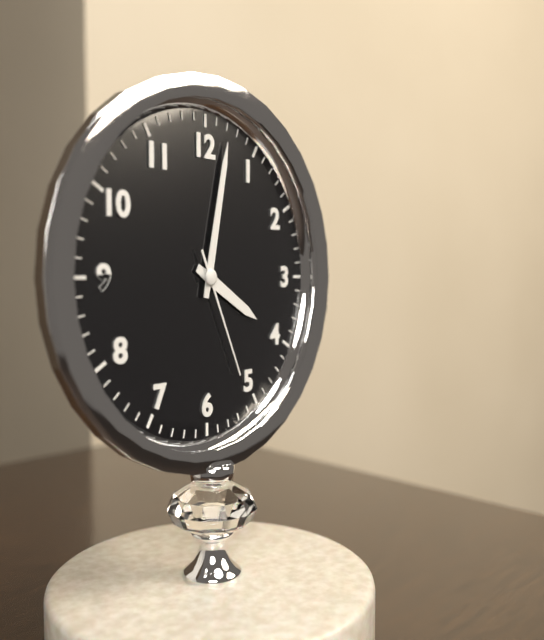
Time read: 4 h 02 min 26 s
